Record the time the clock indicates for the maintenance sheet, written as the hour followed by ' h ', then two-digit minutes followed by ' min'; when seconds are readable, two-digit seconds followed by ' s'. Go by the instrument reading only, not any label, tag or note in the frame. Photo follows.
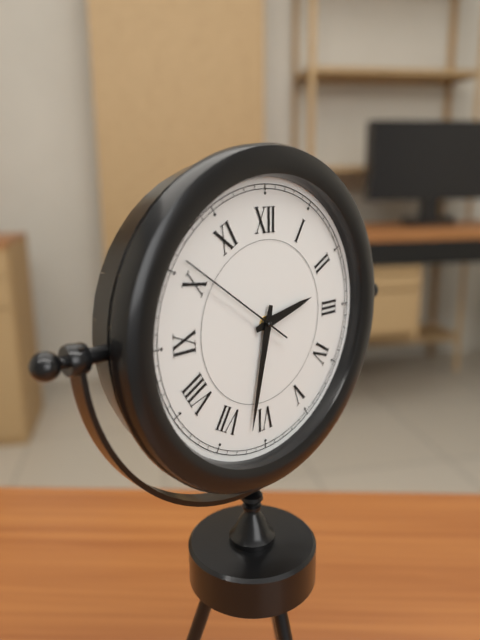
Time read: 2 h 32 min 51 s
